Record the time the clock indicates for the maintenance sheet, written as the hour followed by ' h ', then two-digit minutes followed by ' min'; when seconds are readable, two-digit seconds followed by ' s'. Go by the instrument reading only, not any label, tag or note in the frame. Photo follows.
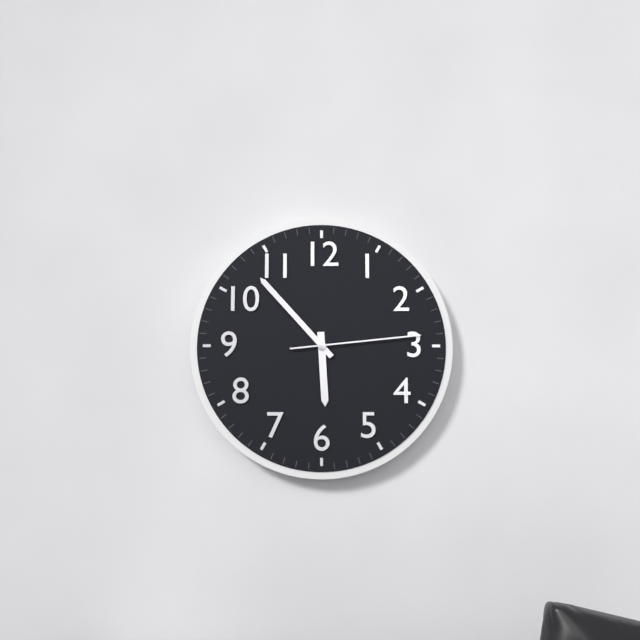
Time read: 5 h 53 min 14 s
